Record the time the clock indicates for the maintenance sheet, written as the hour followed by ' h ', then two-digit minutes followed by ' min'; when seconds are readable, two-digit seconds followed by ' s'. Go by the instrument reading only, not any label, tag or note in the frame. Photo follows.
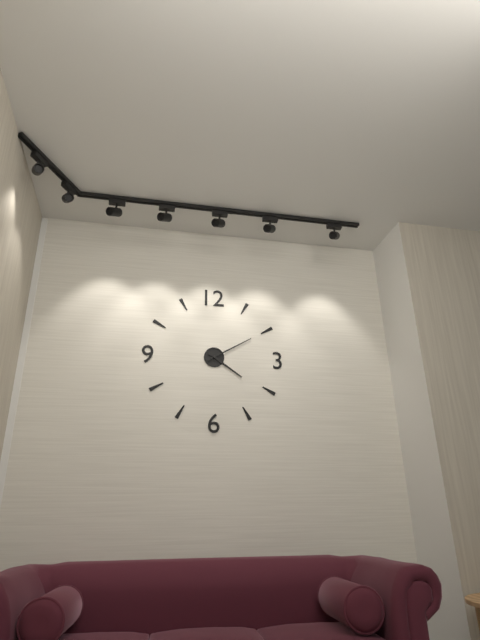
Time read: 4 h 10 min
